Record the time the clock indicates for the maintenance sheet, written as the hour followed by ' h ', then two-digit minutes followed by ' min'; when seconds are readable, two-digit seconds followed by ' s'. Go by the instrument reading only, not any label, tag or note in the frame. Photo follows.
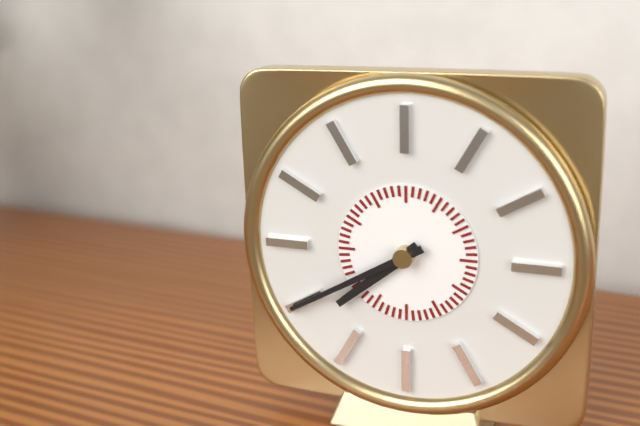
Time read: 7 h 40 min
